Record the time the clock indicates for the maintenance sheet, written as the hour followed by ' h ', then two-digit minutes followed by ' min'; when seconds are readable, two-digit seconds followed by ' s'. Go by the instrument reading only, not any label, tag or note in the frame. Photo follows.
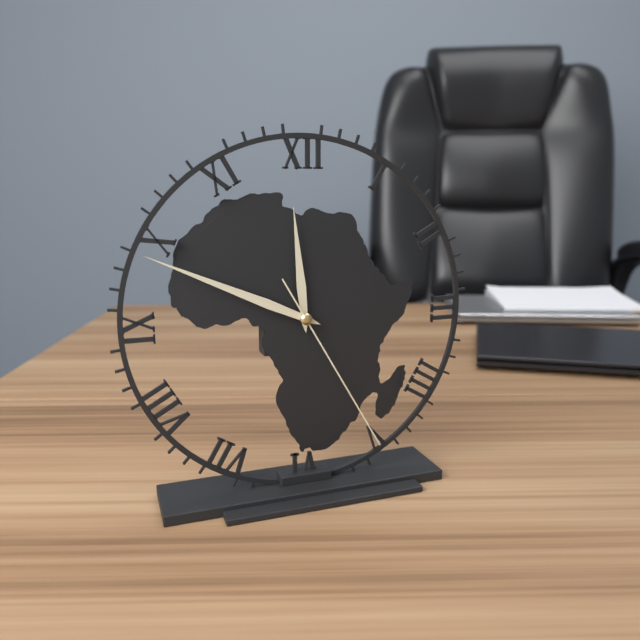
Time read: 11 h 49 min 25 s
